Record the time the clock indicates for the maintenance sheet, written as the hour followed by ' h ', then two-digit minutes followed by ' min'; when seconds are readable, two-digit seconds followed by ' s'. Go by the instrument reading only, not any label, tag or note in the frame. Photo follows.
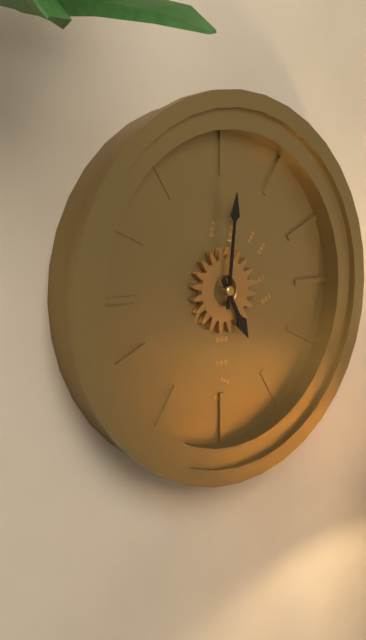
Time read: 5 h 01 min
